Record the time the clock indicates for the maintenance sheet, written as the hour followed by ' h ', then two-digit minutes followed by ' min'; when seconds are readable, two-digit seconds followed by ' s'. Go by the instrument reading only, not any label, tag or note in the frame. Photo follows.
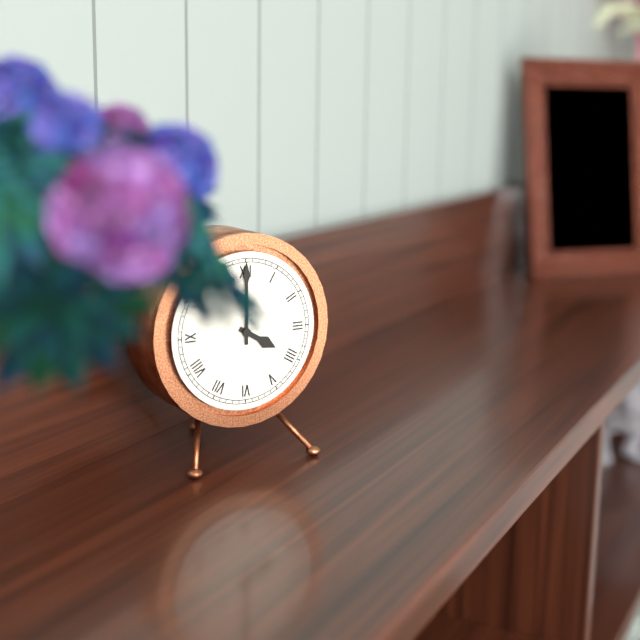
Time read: 4 h 00 min
